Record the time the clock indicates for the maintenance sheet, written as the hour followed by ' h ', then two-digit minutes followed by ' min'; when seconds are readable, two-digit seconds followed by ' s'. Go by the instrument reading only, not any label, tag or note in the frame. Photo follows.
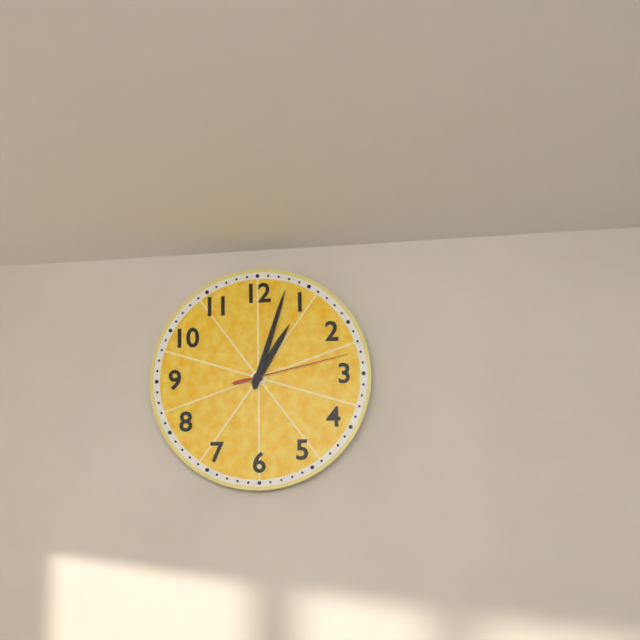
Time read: 1 h 03 min 13 s
